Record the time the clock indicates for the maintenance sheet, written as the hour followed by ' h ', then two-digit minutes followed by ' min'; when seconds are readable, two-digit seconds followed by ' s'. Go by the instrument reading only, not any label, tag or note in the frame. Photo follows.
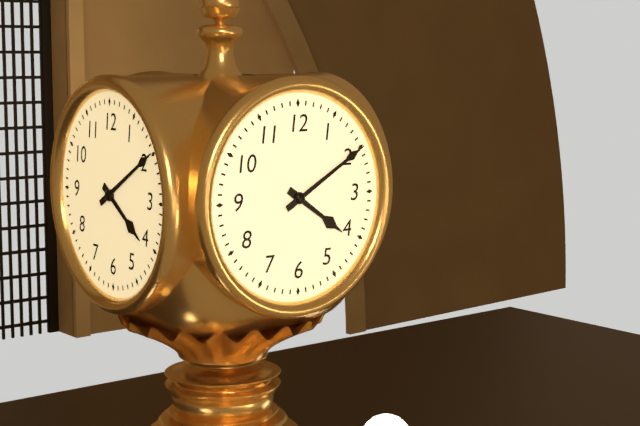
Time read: 4 h 10 min
